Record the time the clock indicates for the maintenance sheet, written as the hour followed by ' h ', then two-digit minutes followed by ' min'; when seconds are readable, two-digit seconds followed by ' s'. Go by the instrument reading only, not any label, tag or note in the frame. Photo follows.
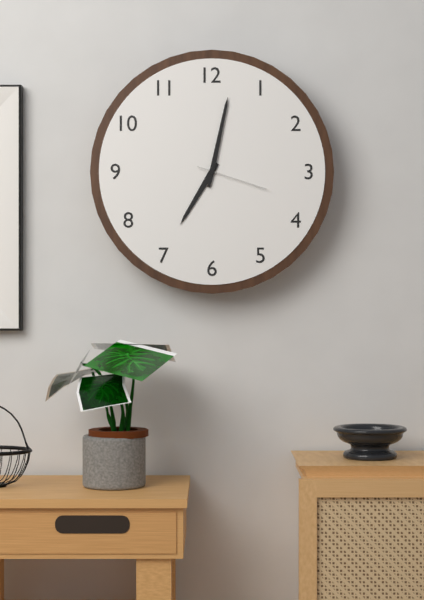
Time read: 7 h 02 min 18 s
